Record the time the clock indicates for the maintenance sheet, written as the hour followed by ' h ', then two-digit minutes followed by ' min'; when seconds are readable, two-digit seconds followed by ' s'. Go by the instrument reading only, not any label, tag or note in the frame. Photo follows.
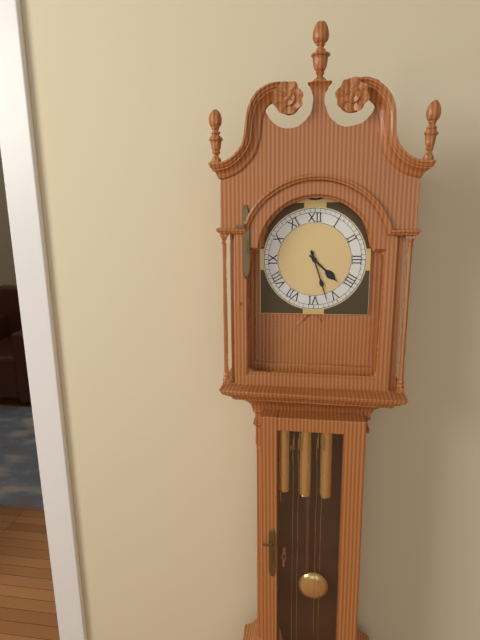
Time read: 4 h 27 min
